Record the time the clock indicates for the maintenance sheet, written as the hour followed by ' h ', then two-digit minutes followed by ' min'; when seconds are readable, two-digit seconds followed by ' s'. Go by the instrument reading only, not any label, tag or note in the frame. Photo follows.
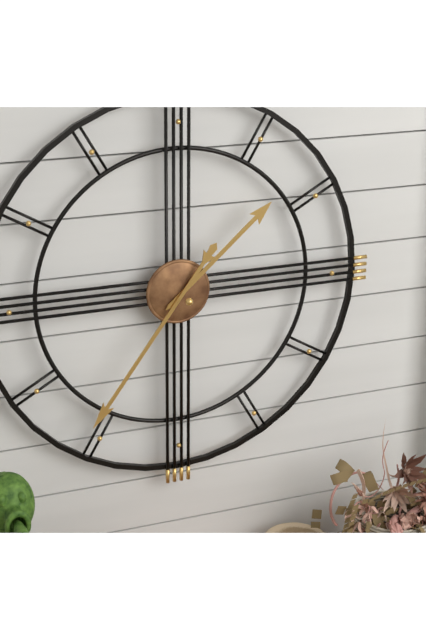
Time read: 1 h 36 min
